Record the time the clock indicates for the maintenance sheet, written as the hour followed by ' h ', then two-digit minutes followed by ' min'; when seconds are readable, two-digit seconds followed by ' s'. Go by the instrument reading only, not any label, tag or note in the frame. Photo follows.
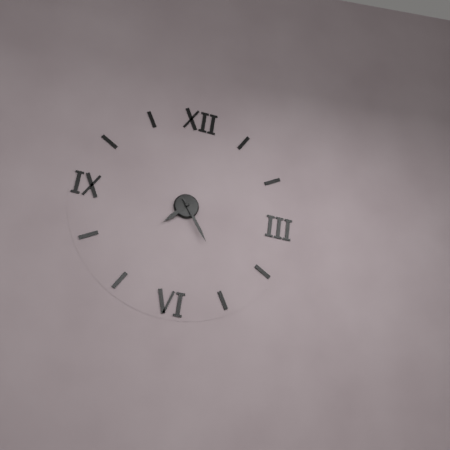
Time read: 7 h 24 min
